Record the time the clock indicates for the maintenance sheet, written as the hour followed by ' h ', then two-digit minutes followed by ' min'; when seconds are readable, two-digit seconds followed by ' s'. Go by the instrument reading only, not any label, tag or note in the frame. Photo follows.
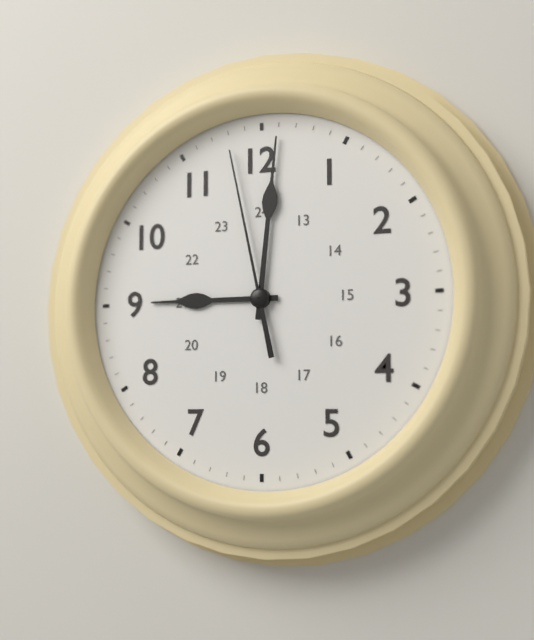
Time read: 9 h 01 min 58 s
